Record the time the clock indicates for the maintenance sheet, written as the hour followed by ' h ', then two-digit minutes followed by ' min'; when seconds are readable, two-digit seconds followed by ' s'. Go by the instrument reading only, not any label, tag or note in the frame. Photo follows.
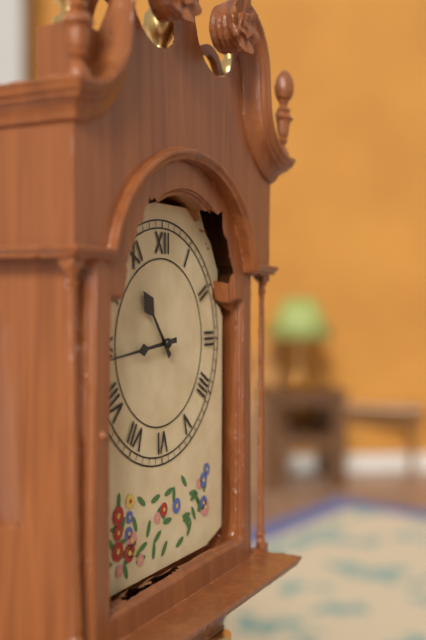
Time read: 10 h 44 min
